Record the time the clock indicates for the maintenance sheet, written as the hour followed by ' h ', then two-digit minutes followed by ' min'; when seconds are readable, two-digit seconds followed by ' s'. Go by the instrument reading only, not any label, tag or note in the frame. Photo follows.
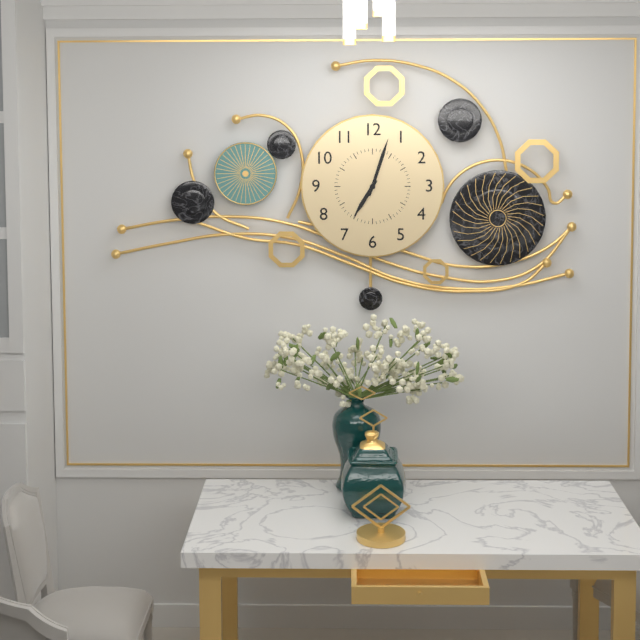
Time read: 7 h 03 min
